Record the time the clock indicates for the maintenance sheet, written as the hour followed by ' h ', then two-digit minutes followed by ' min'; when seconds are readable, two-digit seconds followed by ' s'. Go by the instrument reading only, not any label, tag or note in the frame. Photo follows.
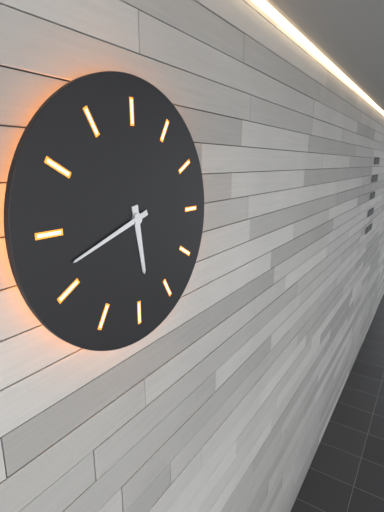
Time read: 5 h 42 min
